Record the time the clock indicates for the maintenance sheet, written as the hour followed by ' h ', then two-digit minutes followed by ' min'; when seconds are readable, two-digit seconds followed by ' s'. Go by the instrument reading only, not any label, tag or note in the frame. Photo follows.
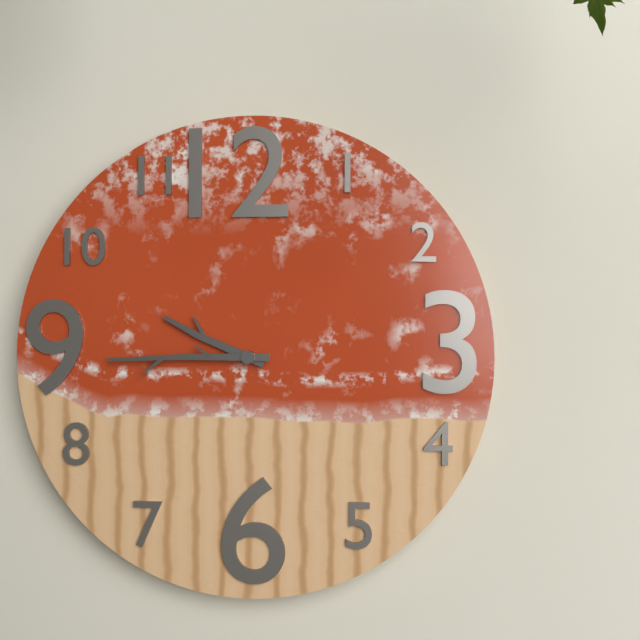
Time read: 9 h 45 min
